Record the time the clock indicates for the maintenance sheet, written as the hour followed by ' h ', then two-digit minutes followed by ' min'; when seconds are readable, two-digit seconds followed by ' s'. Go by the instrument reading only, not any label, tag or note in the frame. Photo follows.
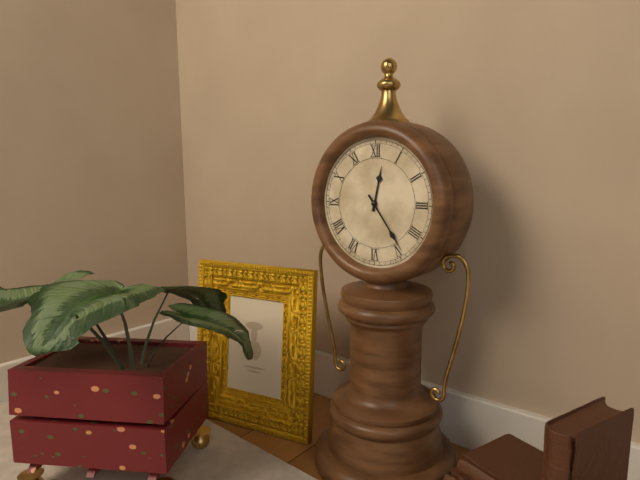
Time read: 12 h 24 min
